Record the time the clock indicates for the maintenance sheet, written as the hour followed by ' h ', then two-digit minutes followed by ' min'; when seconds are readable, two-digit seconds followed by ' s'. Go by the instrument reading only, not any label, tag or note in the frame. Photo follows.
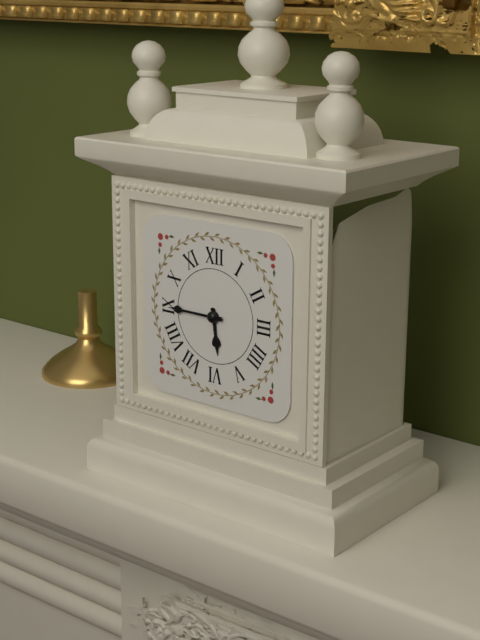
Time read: 5 h 45 min
